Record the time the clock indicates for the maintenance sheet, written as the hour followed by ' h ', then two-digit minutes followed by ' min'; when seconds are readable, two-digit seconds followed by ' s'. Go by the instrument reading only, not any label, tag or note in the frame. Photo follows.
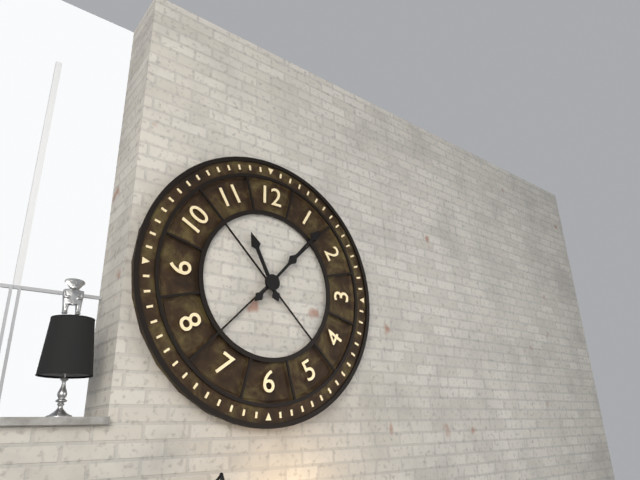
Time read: 11 h 07 min
